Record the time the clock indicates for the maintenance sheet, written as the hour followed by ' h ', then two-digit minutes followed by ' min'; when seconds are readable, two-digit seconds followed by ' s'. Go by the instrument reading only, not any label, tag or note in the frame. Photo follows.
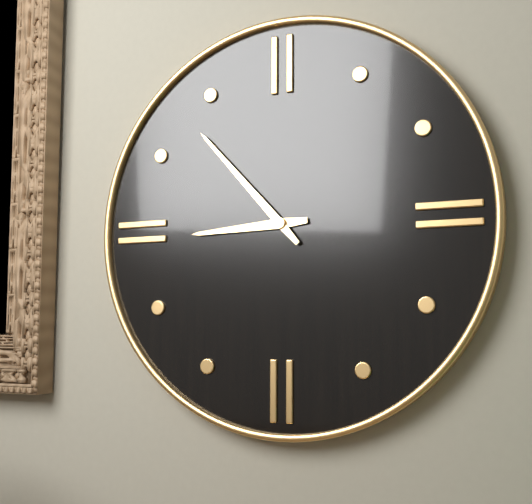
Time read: 8 h 53 min
